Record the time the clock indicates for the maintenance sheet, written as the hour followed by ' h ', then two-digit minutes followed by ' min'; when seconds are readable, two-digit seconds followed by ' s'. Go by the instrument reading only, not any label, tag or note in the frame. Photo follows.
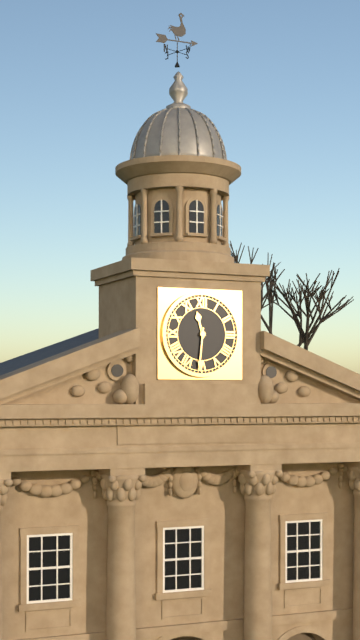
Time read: 11 h 31 min
